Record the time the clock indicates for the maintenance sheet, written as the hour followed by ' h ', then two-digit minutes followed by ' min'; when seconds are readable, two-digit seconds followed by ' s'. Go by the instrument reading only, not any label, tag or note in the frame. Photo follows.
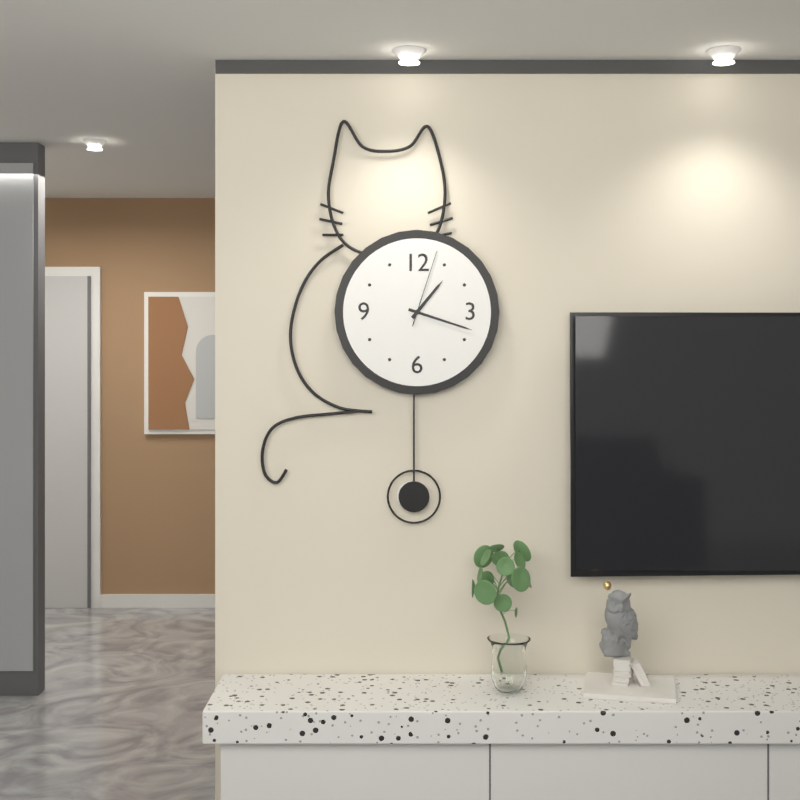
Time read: 1 h 18 min 03 s
